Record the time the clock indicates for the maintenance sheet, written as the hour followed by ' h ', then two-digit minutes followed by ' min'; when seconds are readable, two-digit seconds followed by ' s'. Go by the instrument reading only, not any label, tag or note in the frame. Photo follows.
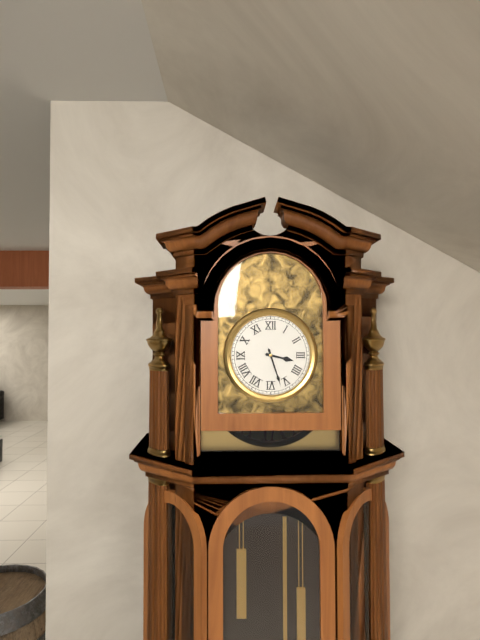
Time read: 3 h 27 min
